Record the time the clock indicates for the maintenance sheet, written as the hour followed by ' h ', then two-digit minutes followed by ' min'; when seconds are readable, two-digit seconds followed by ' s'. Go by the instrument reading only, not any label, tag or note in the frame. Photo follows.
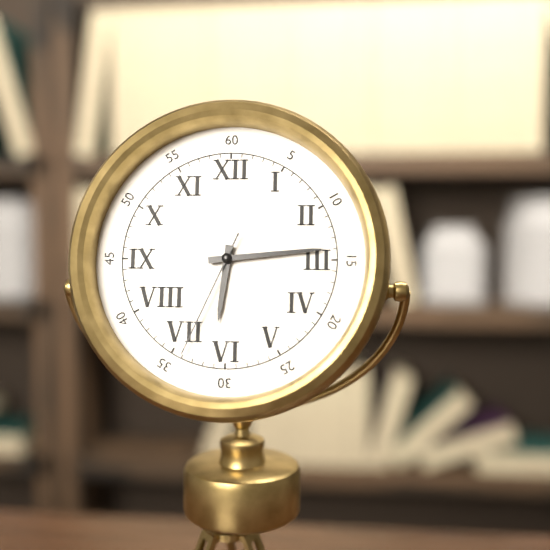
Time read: 6 h 14 min 34 s
